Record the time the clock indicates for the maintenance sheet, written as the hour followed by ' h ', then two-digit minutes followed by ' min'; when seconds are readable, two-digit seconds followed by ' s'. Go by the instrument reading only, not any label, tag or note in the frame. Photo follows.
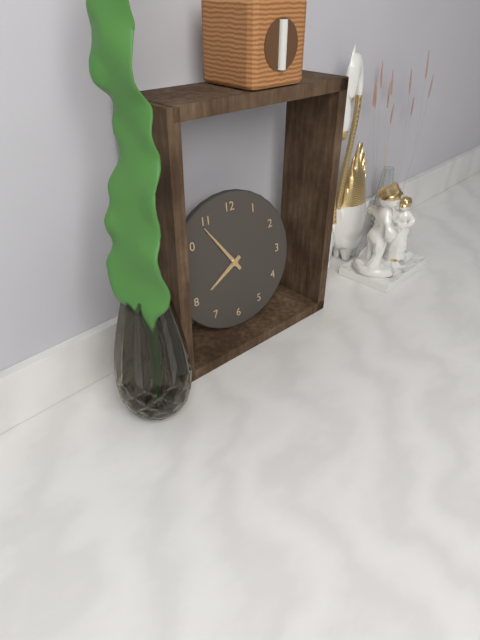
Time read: 7 h 54 min
